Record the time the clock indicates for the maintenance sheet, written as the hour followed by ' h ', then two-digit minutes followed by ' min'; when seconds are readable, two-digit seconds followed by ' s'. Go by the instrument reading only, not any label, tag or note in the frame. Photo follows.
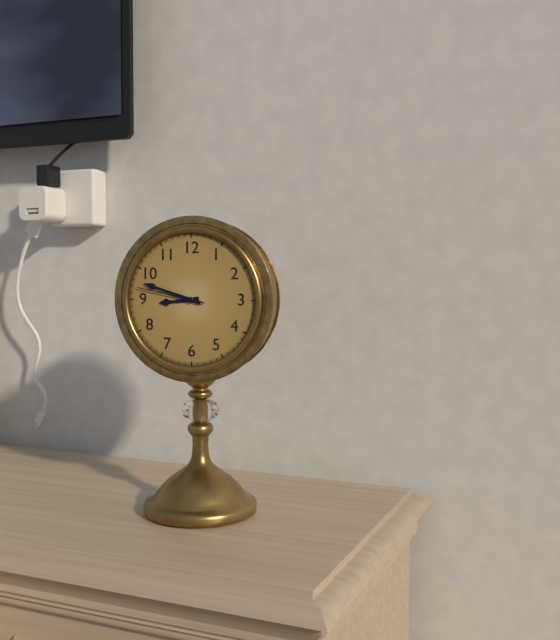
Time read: 8 h 48 min 47 s
